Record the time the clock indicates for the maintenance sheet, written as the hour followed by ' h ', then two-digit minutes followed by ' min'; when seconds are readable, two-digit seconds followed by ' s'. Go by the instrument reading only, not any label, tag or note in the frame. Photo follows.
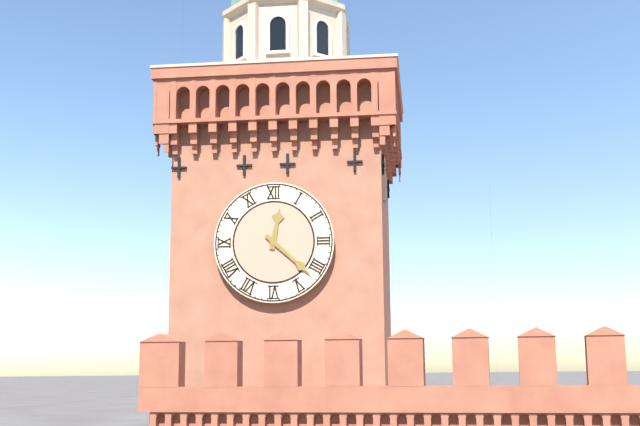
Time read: 12 h 22 min
